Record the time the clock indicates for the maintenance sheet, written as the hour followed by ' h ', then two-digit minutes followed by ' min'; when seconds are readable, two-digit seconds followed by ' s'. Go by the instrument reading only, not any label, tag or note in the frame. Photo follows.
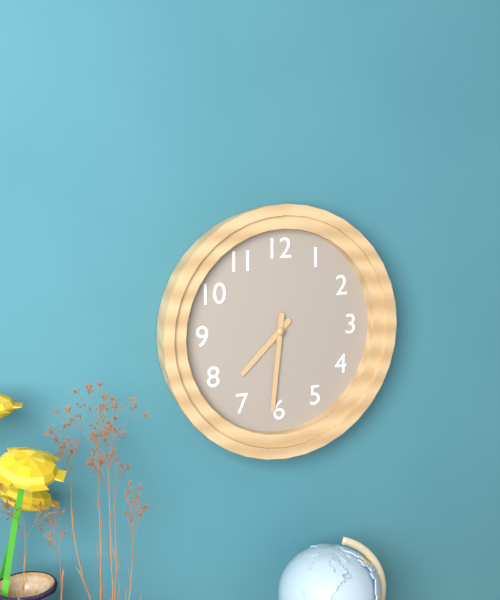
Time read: 7 h 31 min
